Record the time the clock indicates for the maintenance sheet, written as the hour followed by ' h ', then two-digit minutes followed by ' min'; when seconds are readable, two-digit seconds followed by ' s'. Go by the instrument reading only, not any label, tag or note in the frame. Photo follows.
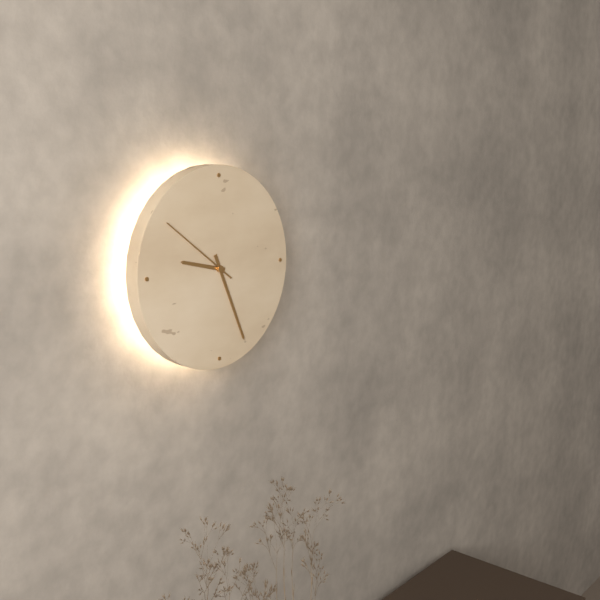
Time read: 9 h 26 min 51 s
